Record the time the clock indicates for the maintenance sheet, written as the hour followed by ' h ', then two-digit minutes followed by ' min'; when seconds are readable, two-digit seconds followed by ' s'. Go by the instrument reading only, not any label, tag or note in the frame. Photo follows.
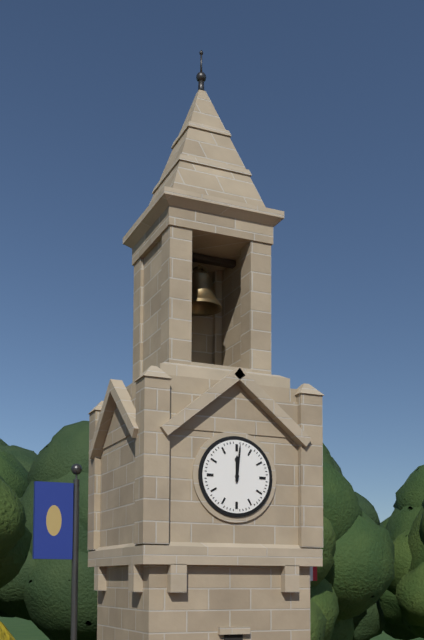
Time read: 12 h 01 min
